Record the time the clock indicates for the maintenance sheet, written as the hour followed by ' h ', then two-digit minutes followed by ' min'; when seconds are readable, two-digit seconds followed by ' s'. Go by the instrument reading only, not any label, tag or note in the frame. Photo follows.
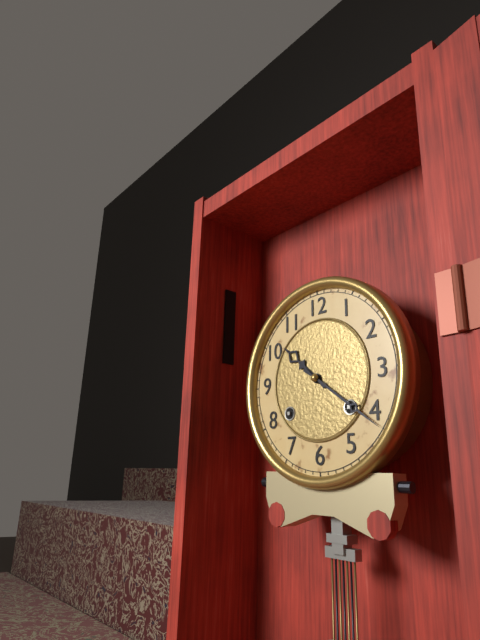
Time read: 10 h 21 min
